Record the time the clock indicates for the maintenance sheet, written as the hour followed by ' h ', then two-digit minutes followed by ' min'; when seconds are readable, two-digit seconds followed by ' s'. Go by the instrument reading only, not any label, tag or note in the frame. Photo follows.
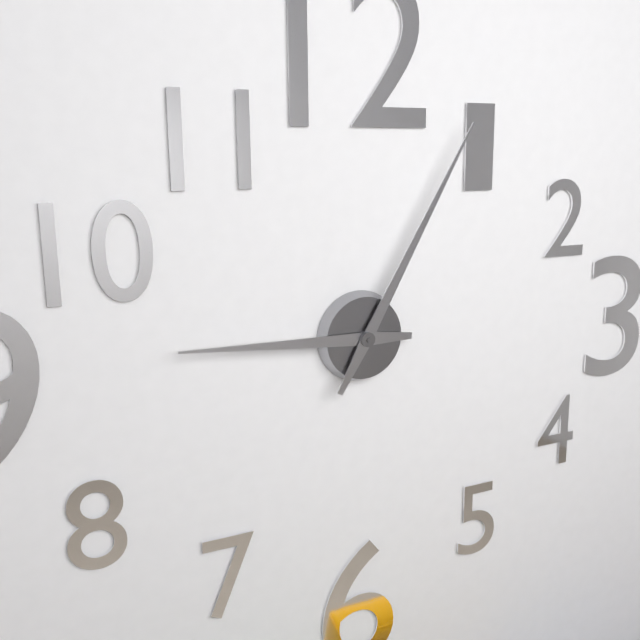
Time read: 9 h 05 min
